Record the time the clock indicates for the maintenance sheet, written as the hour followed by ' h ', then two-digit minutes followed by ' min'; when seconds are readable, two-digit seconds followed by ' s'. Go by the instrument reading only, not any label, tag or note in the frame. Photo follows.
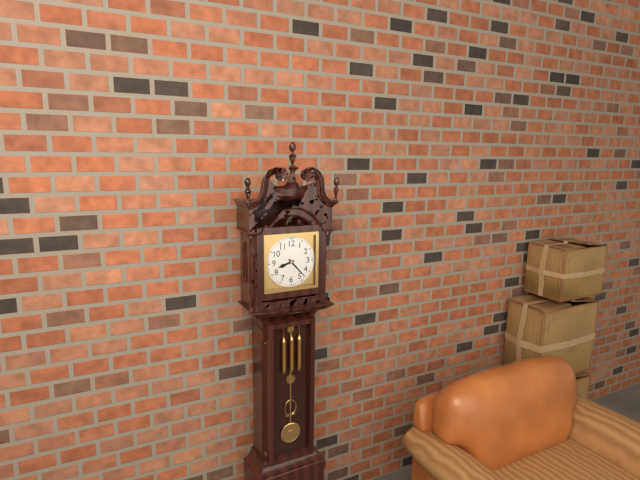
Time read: 8 h 23 min
